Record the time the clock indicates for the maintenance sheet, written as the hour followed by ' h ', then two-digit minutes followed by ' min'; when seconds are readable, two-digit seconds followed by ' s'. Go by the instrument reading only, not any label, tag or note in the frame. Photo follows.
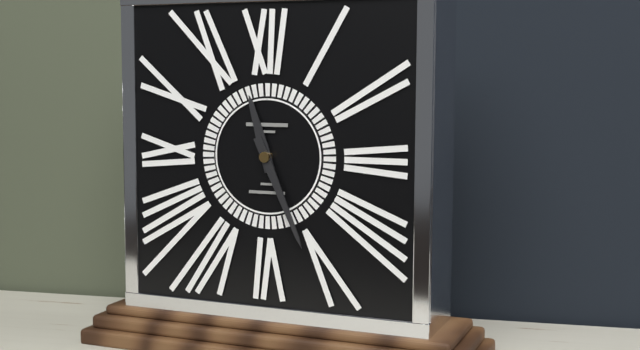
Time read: 11 h 26 min
